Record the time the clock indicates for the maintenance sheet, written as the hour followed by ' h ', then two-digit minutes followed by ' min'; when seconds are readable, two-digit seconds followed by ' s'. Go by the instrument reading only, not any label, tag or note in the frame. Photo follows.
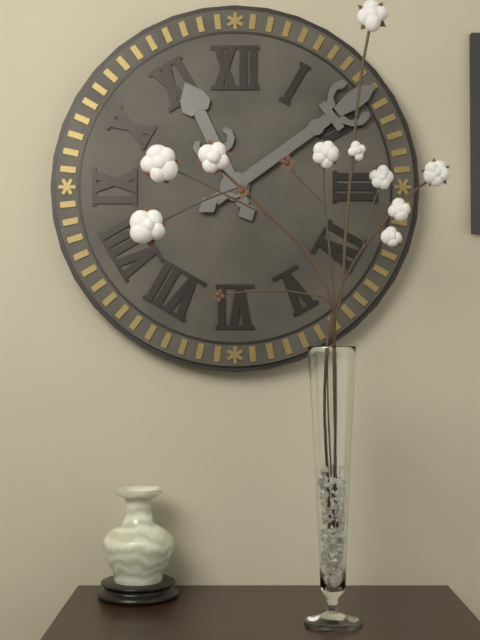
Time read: 11 h 09 min
